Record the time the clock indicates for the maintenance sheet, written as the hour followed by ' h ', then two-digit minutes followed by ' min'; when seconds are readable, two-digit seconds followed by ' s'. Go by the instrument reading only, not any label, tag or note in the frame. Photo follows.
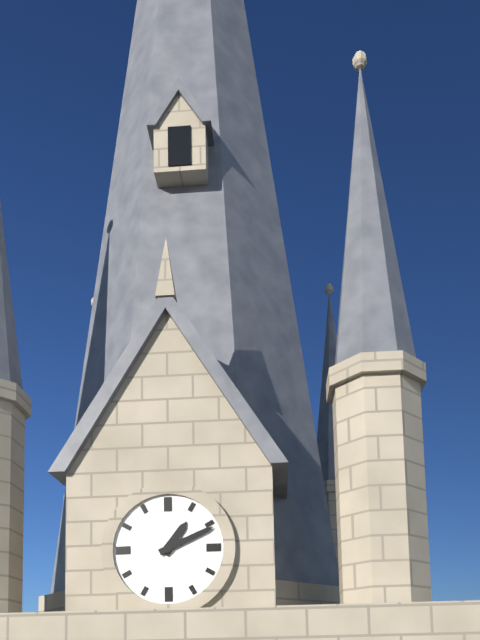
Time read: 1 h 11 min
